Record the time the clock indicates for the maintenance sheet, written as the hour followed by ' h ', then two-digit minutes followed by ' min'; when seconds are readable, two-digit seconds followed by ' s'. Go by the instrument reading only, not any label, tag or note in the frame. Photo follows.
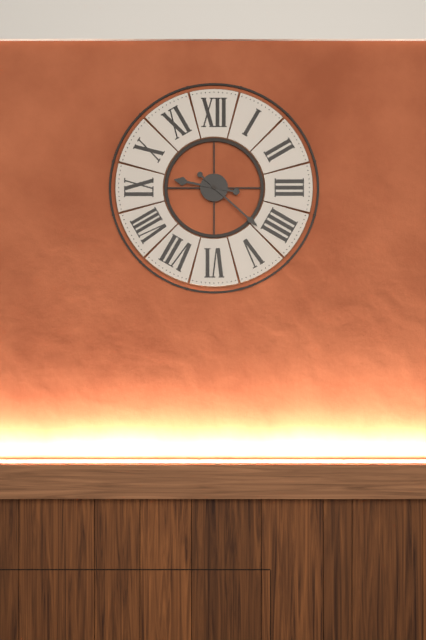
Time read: 9 h 22 min
